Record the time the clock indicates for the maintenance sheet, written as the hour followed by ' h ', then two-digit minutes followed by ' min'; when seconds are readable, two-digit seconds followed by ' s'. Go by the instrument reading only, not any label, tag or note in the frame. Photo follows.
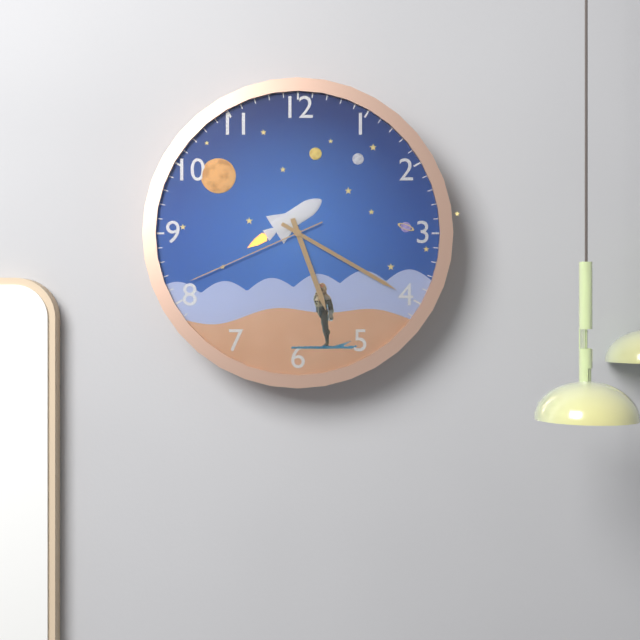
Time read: 5 h 20 min 41 s
